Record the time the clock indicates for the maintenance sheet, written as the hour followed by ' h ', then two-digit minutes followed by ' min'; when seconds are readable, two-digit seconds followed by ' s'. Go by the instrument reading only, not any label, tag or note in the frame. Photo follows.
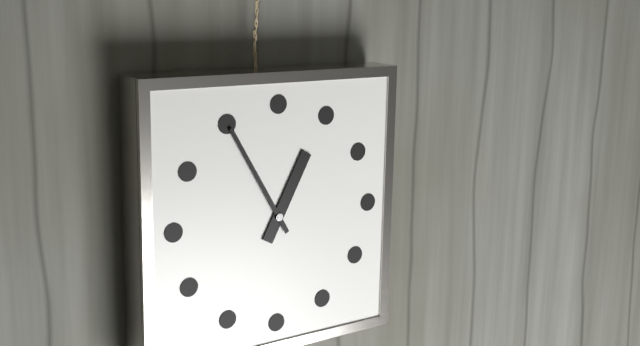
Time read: 12 h 55 min
